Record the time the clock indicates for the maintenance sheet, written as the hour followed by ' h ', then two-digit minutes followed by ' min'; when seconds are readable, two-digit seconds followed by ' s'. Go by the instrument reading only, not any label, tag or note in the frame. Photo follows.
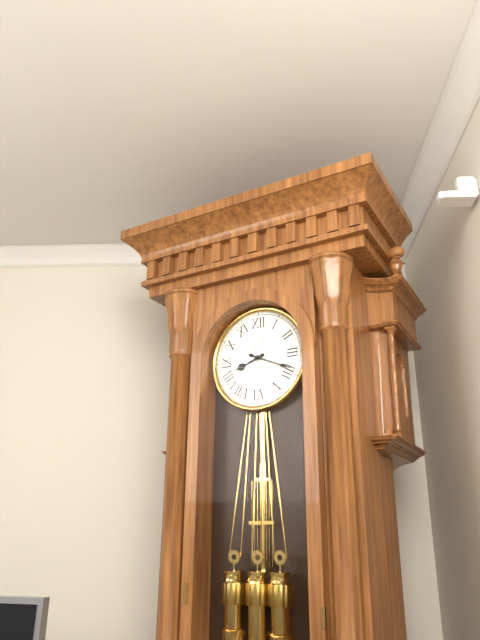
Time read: 8 h 19 min
